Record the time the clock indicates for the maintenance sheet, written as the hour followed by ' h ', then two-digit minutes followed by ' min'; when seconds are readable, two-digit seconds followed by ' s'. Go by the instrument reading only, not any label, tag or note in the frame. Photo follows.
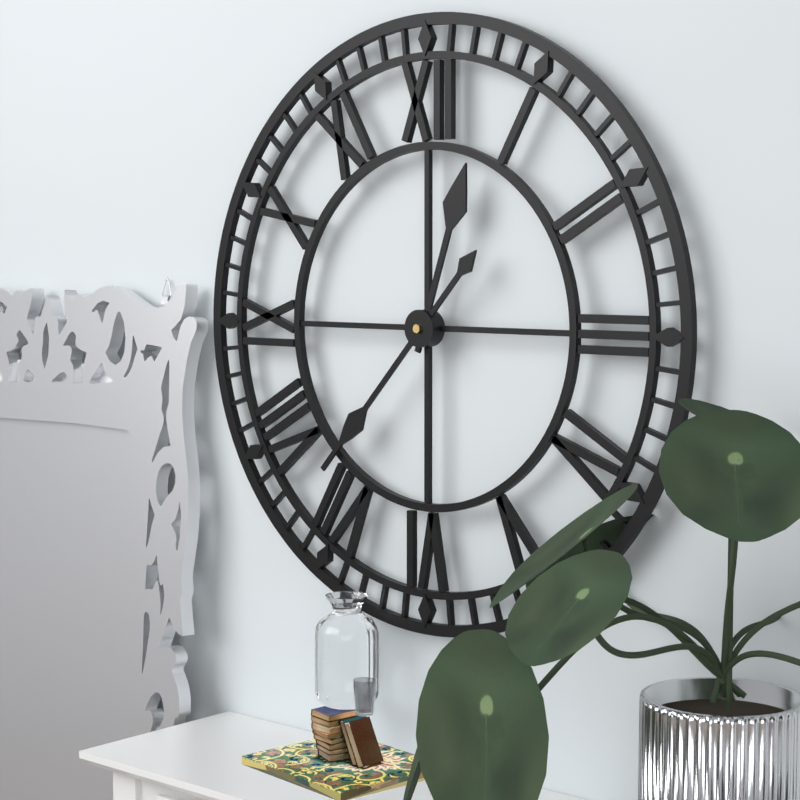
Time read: 12 h 37 min
